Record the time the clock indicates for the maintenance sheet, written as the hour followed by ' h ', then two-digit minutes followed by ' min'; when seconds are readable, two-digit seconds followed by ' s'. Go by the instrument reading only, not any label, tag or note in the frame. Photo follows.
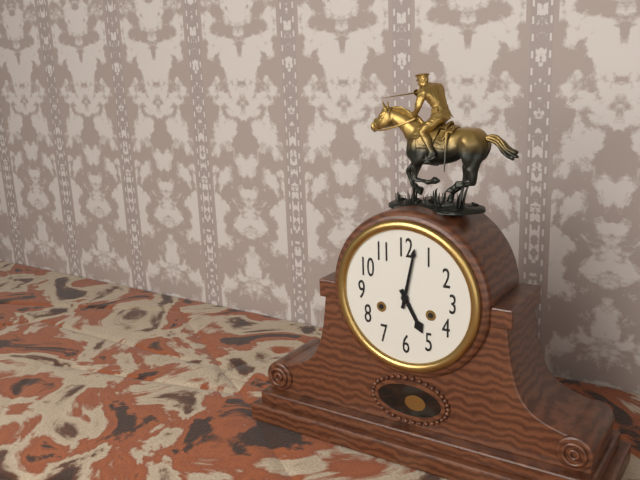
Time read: 5 h 02 min
